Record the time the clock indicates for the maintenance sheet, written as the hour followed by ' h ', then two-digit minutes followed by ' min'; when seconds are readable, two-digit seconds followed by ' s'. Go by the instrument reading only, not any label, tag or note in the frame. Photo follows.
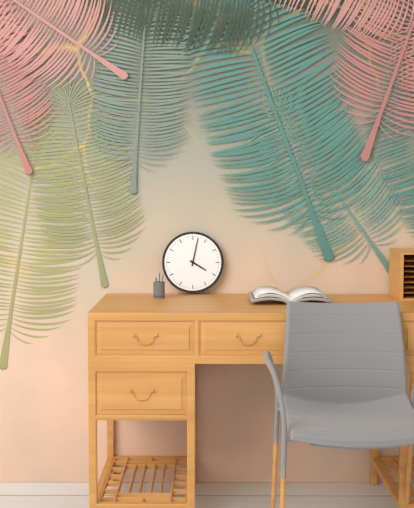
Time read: 4 h 02 min
